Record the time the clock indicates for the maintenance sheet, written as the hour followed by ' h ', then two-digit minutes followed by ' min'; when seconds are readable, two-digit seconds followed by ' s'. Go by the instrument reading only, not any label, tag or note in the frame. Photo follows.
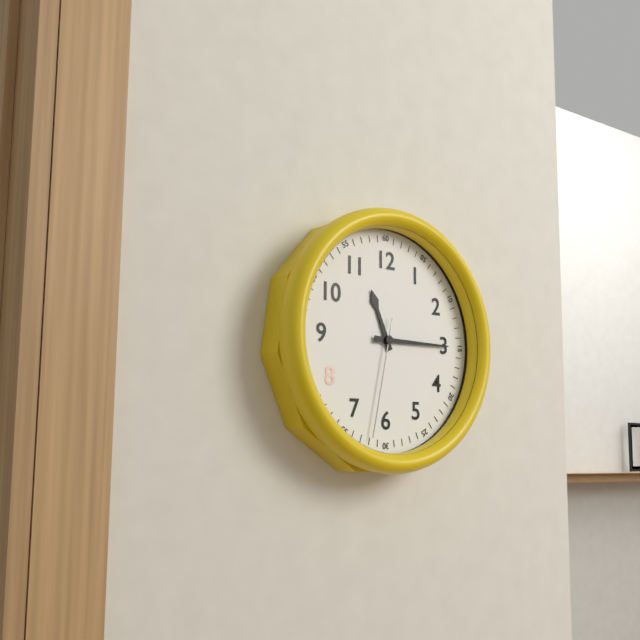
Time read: 11 h 15 min 32 s
